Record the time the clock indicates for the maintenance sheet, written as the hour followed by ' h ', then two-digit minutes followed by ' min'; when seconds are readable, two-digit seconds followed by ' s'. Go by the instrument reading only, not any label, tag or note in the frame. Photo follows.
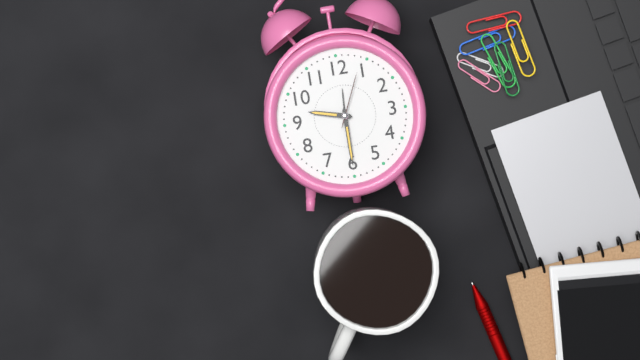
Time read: 9 h 30 min 04 s
